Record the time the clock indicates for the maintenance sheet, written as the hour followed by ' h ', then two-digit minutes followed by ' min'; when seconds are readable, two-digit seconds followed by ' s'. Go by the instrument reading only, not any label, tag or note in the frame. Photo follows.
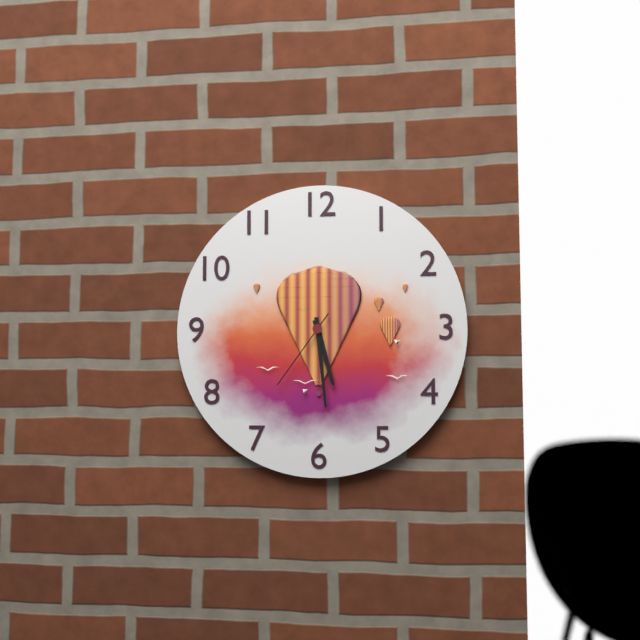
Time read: 5 h 29 min 36 s
